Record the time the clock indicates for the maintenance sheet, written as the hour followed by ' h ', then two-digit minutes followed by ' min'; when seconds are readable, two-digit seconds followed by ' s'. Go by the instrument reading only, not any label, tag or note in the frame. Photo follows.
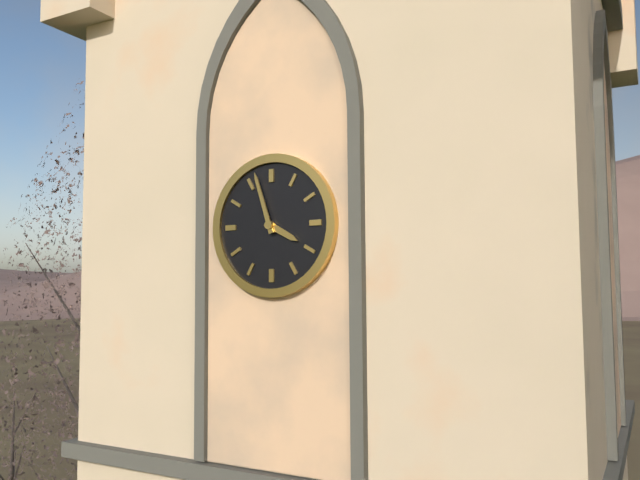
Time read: 3 h 57 min
